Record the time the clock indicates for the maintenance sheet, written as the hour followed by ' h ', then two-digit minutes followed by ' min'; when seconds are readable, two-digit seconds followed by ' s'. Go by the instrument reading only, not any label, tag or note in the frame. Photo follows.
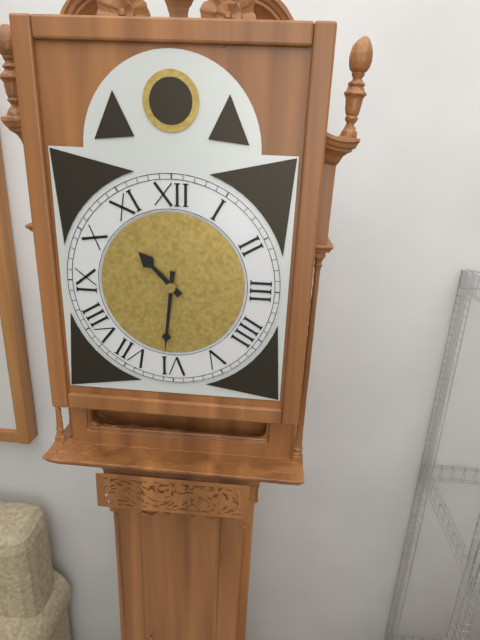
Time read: 10 h 31 min
